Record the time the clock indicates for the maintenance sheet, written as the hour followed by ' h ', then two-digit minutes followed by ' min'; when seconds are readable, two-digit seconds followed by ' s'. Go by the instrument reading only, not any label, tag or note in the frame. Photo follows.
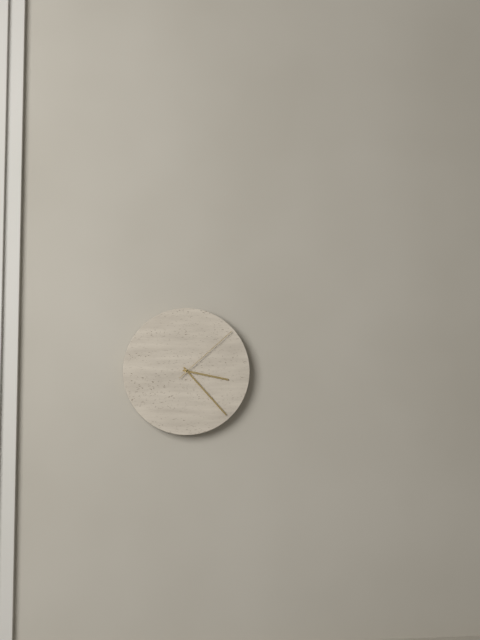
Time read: 3 h 23 min 08 s
